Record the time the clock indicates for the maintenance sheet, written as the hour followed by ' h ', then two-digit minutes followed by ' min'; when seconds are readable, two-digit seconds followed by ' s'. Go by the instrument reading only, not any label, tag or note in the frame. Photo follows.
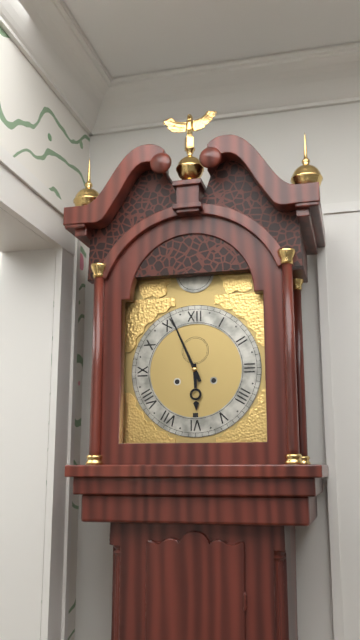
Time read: 5 h 56 min
